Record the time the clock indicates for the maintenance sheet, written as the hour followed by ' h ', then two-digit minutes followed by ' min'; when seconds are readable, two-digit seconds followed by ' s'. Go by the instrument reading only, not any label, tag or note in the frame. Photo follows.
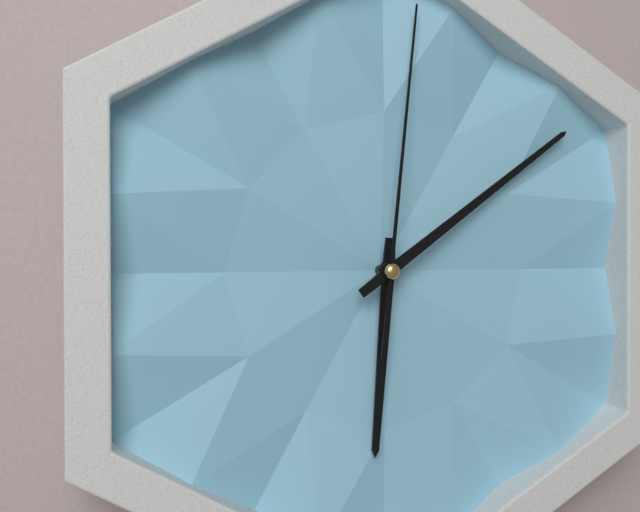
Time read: 6 h 09 min 01 s
